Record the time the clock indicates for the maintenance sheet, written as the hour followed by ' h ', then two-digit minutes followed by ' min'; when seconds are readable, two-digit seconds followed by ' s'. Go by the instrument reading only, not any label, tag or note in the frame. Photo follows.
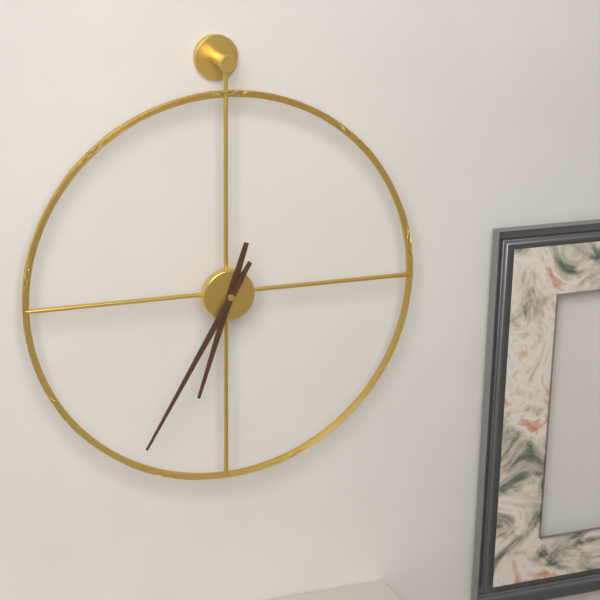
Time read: 6 h 35 min
